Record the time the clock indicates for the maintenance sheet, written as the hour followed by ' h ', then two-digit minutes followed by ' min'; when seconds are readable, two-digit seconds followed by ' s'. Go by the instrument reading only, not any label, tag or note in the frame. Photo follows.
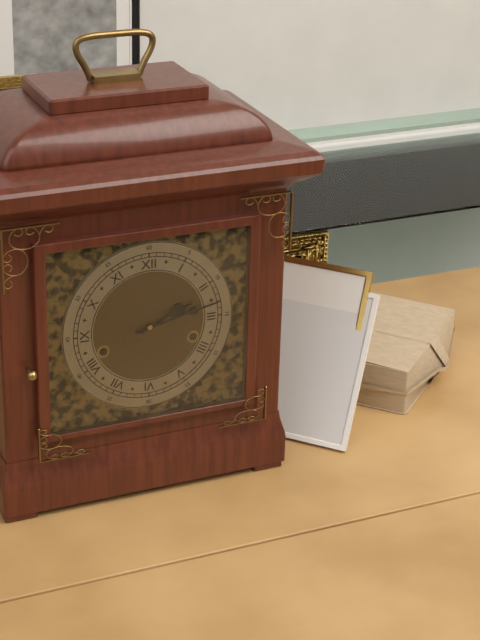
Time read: 2 h 13 min
